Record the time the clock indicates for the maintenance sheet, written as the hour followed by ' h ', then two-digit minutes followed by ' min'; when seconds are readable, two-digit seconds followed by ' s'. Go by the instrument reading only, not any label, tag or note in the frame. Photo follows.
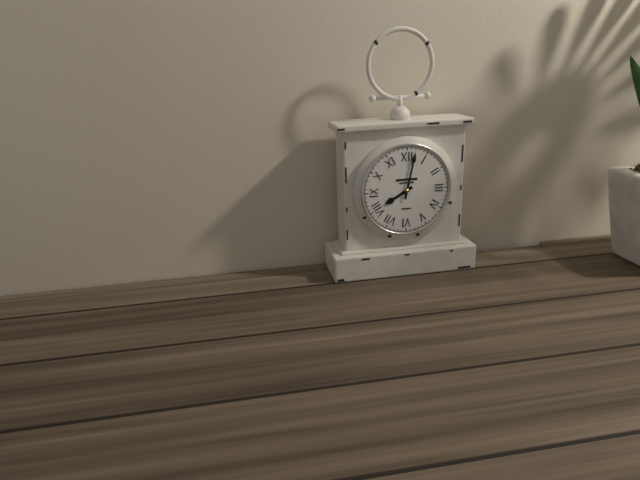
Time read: 8 h 02 min
